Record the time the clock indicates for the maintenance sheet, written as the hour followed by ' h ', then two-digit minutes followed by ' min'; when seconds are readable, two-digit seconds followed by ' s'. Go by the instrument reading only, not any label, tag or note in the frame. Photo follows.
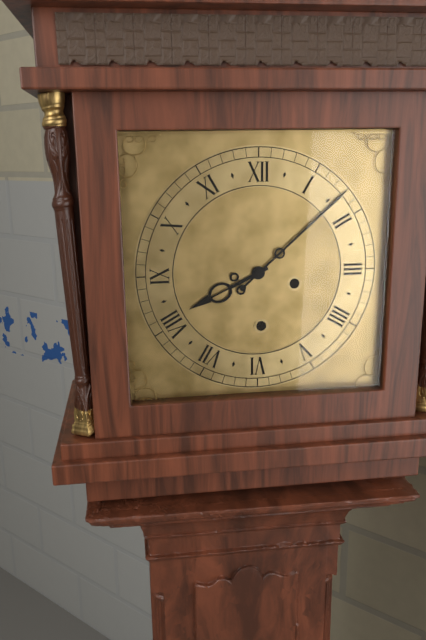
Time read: 8 h 08 min
